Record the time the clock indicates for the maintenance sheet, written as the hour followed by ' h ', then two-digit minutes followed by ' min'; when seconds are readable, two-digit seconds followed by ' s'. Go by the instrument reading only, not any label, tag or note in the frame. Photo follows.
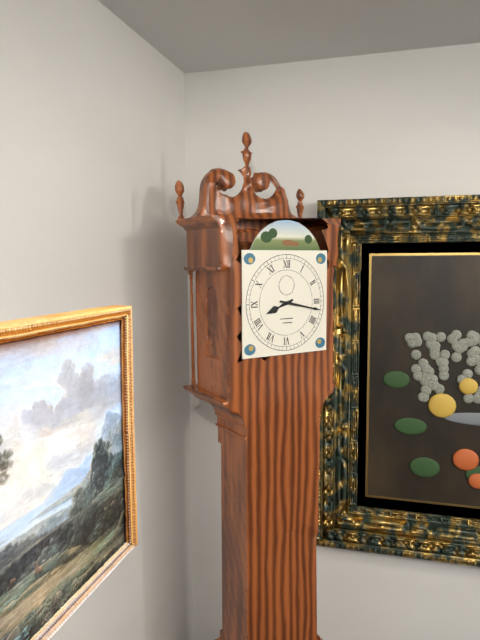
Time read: 8 h 17 min
